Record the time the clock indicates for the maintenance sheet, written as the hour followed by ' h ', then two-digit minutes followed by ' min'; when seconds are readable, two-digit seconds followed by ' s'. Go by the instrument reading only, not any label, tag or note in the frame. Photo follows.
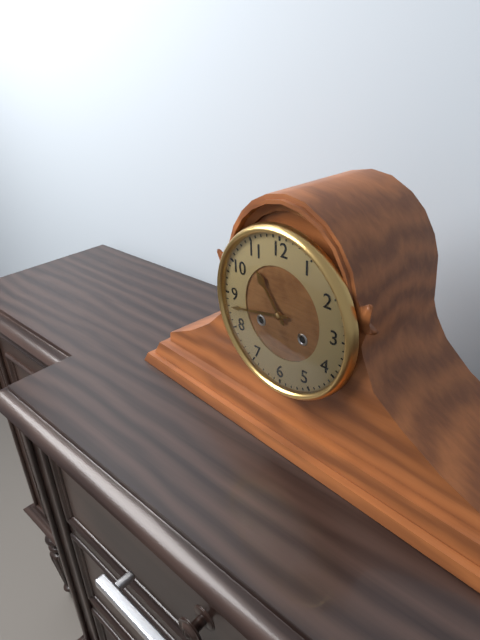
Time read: 10 h 43 min
